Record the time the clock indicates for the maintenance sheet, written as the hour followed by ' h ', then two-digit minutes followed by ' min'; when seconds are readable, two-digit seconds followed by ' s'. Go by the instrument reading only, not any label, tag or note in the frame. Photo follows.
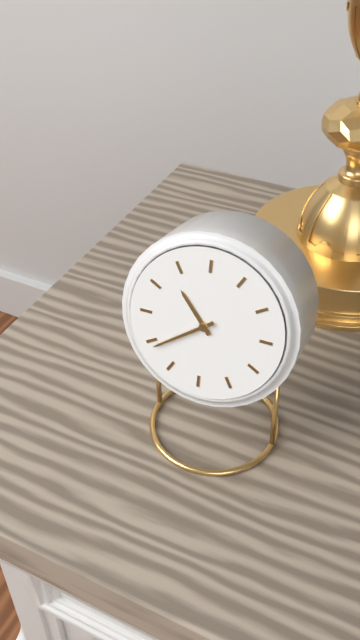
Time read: 10 h 39 min
